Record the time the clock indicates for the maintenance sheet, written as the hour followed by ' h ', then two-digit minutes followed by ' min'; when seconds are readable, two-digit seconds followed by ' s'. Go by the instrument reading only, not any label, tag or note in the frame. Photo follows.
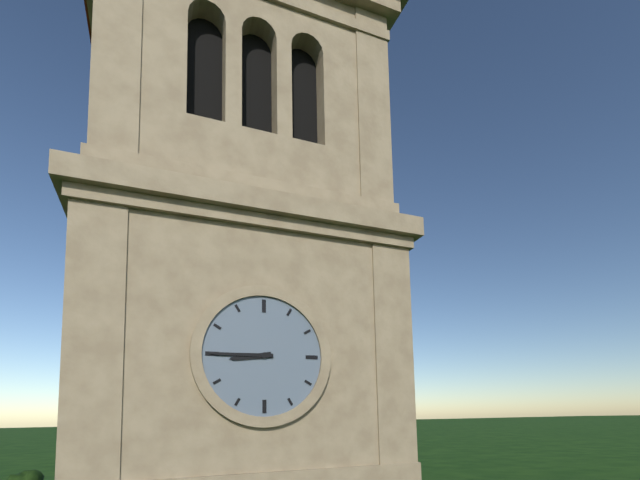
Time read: 8 h 45 min
